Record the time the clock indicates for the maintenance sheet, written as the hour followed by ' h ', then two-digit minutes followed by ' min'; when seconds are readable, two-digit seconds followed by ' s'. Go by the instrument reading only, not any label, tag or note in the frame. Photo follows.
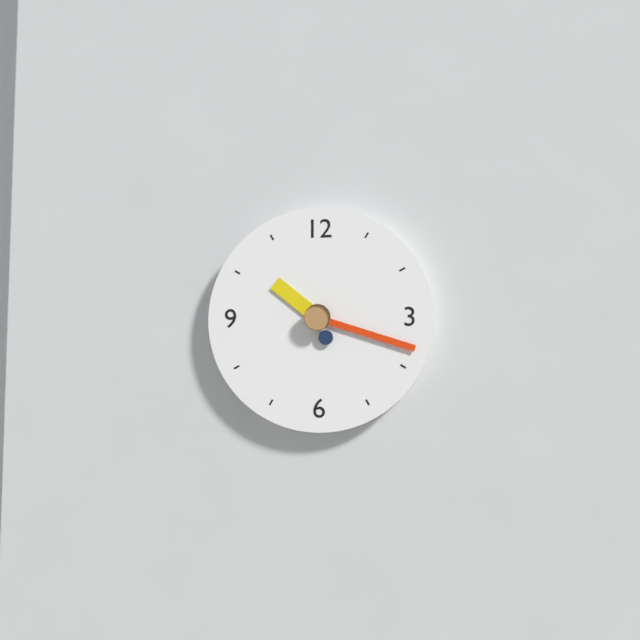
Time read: 10 h 18 min
